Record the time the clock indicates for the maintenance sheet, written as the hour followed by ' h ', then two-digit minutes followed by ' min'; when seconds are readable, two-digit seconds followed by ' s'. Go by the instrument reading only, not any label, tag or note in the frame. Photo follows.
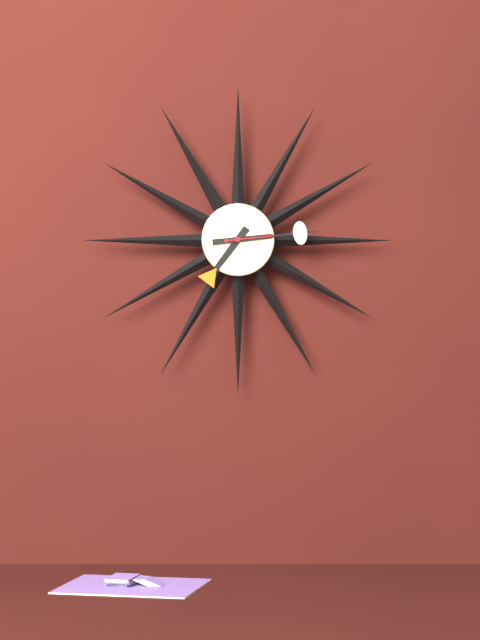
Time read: 7 h 14 min
